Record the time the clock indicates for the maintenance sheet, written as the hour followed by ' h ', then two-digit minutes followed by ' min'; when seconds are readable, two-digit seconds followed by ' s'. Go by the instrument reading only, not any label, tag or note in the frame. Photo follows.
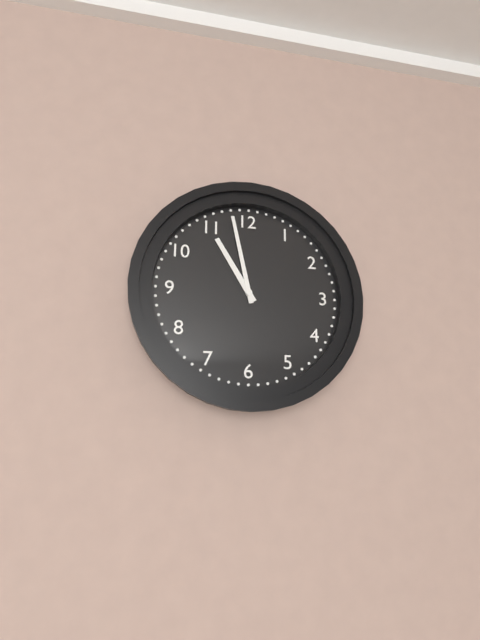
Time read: 10 h 58 min
